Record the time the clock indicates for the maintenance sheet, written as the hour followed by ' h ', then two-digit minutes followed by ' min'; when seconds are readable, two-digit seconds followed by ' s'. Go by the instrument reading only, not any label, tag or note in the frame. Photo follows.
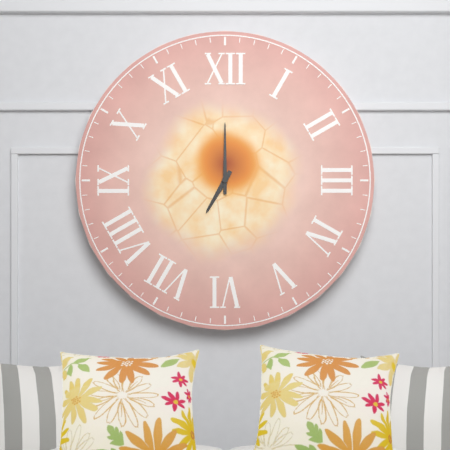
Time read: 7 h 00 min
